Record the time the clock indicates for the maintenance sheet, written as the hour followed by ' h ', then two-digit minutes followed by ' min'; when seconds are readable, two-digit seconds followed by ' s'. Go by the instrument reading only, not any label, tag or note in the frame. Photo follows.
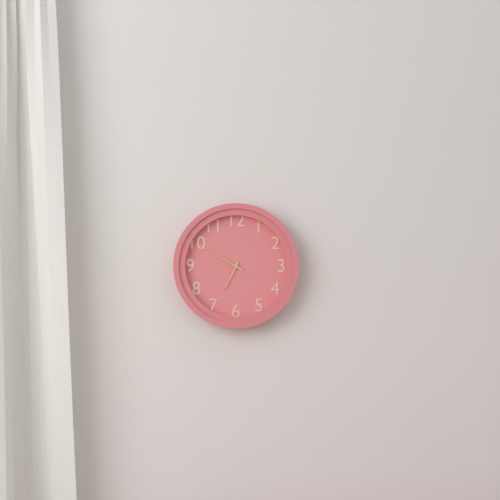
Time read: 6 h 50 min
